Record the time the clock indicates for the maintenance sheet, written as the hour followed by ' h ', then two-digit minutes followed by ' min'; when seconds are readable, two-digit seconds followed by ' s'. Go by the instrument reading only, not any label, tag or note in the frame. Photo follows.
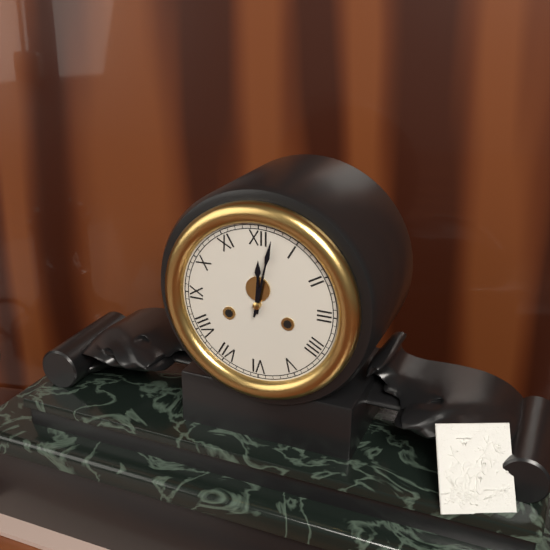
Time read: 12 h 02 min
